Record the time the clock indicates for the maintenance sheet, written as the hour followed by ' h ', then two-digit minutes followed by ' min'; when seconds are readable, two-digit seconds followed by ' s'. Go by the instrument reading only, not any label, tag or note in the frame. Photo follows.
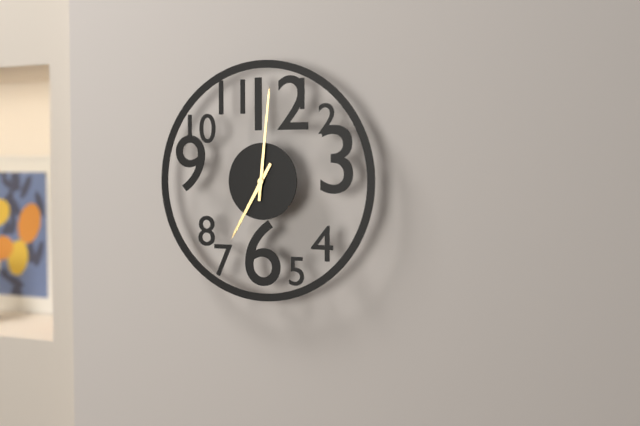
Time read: 7 h 01 min
